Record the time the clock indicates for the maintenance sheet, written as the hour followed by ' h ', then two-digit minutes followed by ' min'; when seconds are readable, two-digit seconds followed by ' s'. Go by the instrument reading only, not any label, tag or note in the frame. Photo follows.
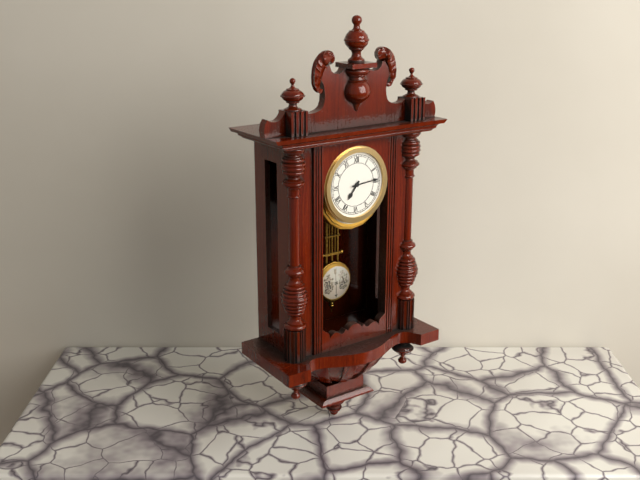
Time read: 7 h 14 min
